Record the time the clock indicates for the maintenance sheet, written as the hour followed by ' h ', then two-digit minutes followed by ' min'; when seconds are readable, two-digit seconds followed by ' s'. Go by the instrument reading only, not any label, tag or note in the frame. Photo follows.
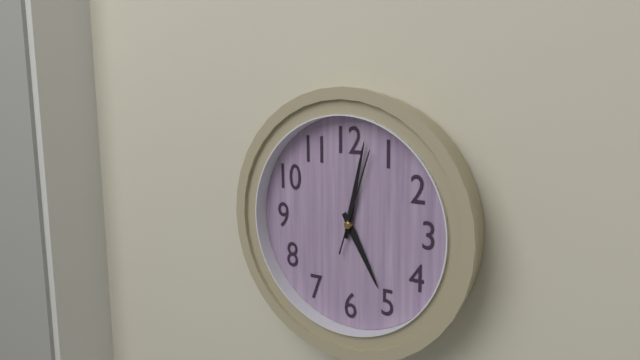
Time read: 5 h 02 min 03 s
